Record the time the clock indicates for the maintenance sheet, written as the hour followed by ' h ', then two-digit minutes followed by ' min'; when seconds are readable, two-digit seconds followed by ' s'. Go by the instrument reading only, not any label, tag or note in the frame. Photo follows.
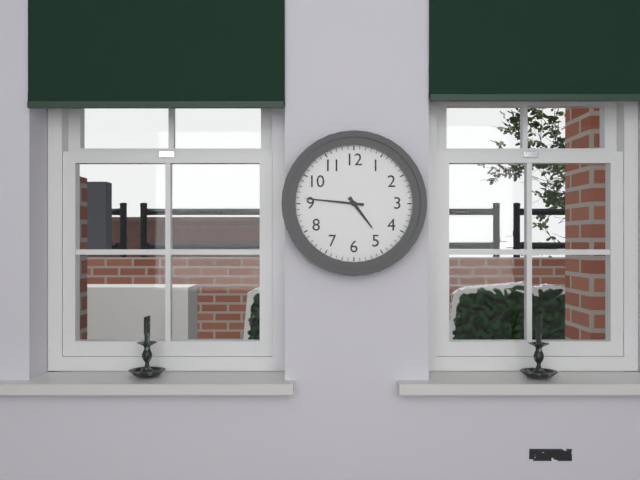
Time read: 4 h 46 min
